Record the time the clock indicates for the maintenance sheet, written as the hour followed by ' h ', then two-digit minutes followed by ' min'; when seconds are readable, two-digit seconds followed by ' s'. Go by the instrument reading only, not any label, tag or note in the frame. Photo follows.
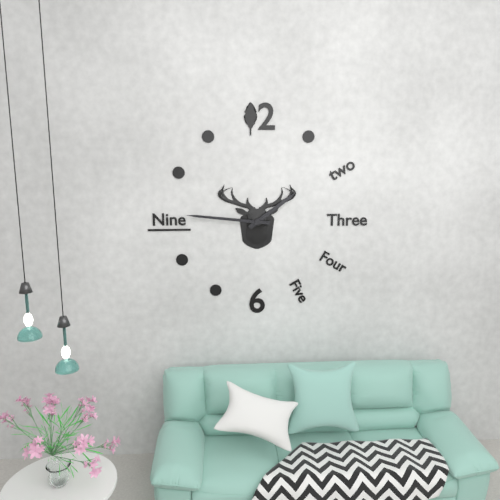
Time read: 1 h 46 min
